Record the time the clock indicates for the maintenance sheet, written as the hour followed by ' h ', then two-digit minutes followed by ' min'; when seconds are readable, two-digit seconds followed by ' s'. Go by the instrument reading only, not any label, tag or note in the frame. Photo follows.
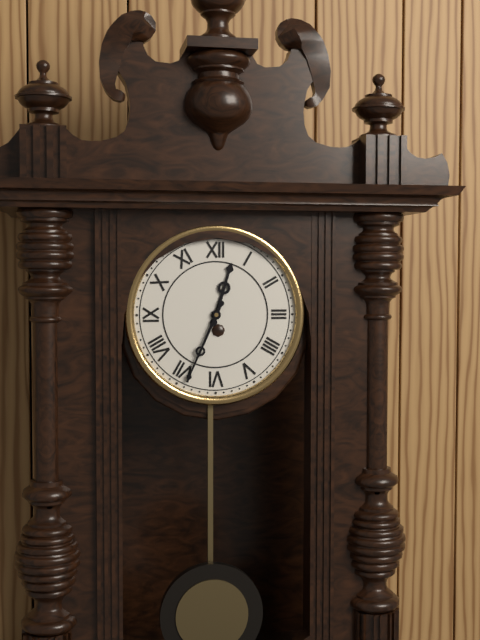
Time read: 12 h 34 min
